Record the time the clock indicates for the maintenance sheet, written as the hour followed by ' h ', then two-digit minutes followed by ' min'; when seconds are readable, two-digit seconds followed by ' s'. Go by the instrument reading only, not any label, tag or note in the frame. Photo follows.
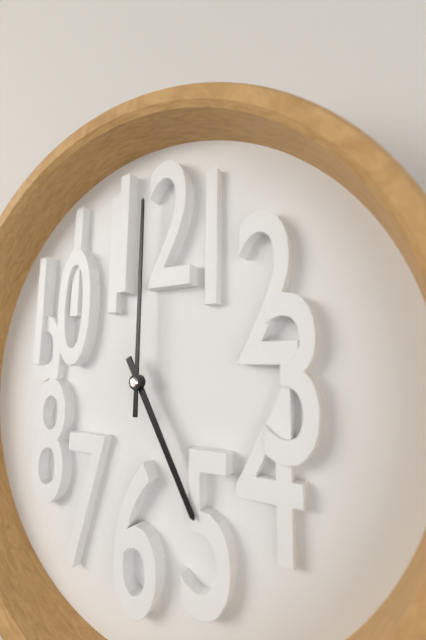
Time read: 5 h 00 min
